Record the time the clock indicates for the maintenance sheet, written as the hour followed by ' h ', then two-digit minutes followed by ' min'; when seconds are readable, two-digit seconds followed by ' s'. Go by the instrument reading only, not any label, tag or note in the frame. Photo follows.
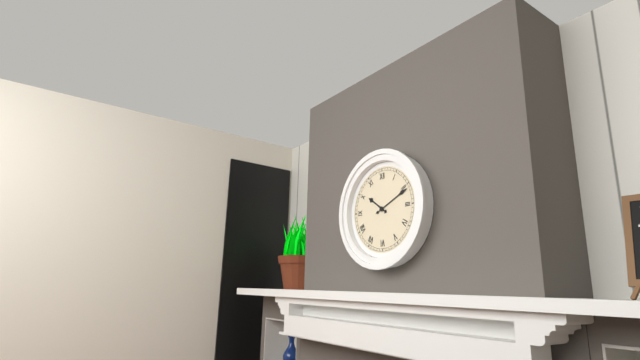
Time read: 10 h 11 min
